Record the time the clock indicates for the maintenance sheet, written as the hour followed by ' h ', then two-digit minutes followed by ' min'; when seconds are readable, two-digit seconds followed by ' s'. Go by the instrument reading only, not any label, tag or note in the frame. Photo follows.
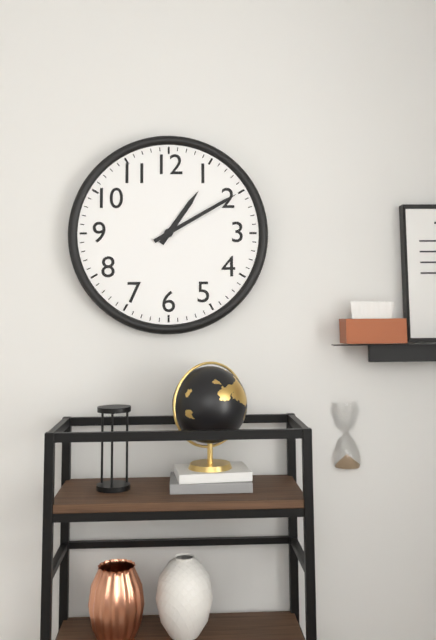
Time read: 1 h 10 min
